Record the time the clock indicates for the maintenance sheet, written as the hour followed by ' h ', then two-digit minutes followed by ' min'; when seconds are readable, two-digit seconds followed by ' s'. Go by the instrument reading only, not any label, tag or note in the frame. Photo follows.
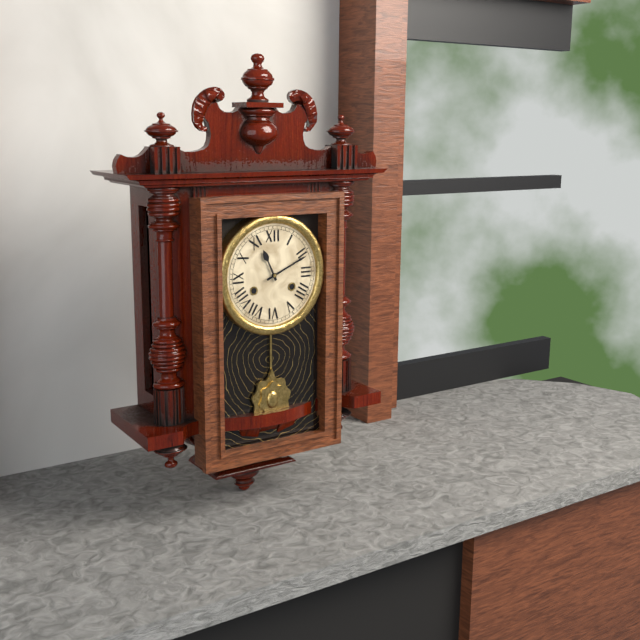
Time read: 11 h 11 min
